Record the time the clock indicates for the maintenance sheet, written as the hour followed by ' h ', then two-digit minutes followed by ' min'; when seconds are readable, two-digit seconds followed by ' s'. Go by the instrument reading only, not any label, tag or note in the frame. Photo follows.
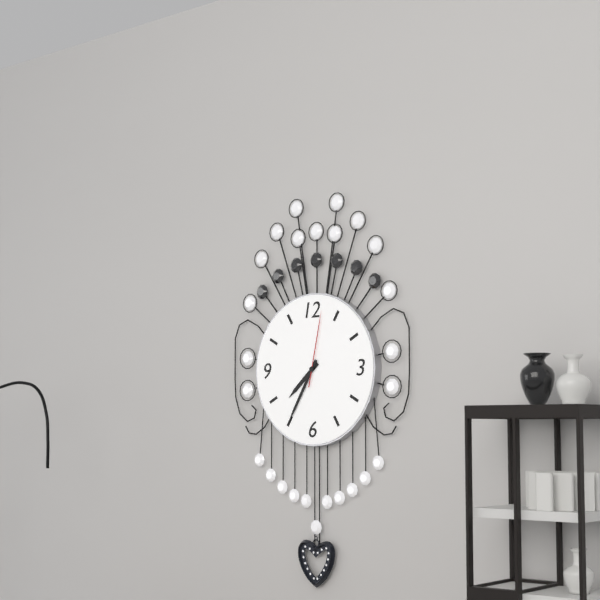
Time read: 7 h 35 min 02 s
